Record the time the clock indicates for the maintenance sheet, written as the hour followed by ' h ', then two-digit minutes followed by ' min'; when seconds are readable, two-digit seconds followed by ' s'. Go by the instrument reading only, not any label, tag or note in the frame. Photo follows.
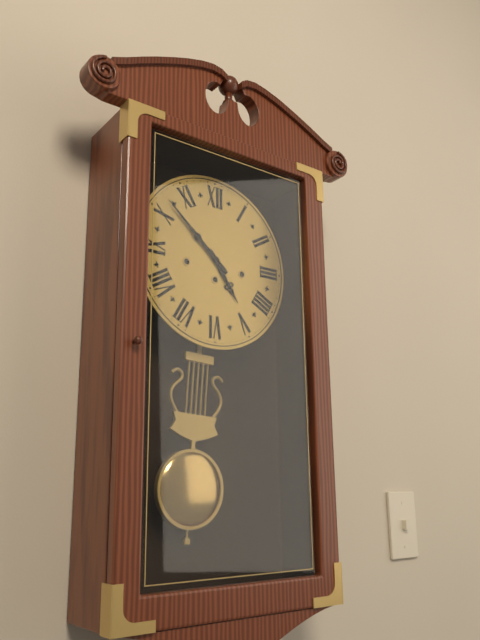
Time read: 4 h 52 min
